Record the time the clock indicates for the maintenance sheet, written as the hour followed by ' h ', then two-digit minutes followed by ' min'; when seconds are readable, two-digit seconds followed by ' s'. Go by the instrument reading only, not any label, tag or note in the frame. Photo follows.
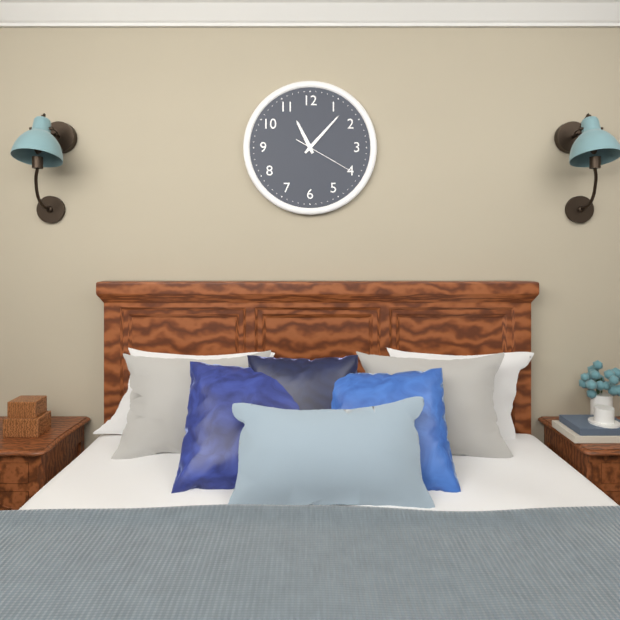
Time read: 11 h 07 min 20 s
